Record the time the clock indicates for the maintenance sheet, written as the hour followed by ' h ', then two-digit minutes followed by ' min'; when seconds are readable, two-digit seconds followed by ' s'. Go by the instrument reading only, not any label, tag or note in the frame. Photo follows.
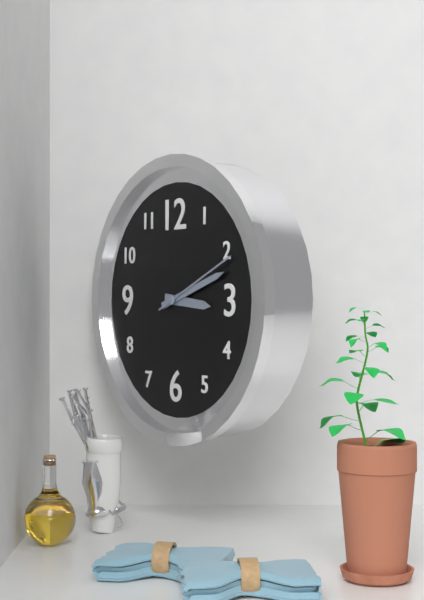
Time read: 3 h 12 min 11 s
